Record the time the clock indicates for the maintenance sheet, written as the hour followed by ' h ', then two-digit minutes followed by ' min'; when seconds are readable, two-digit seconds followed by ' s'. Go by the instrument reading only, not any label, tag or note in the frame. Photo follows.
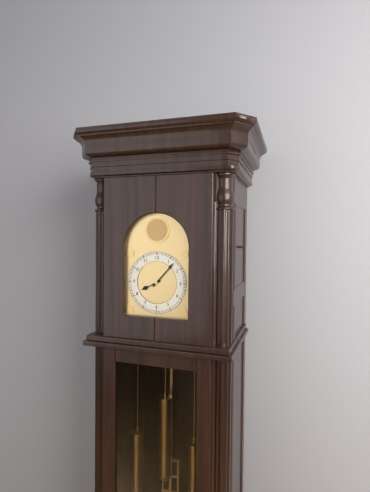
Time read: 8 h 07 min
